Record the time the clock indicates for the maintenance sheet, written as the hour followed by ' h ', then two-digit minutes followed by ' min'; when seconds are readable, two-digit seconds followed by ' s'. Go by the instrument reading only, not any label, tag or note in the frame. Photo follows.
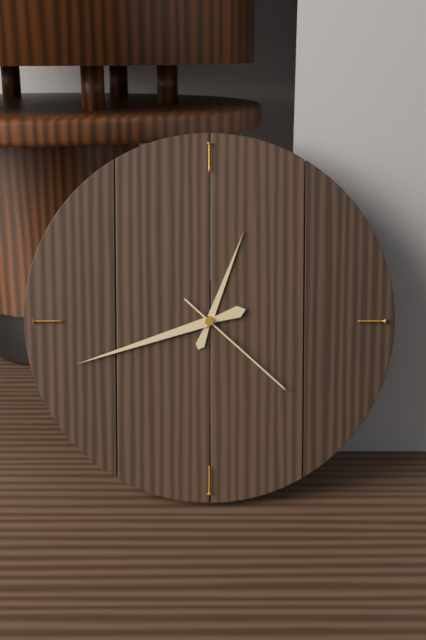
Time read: 12 h 42 min 22 s
